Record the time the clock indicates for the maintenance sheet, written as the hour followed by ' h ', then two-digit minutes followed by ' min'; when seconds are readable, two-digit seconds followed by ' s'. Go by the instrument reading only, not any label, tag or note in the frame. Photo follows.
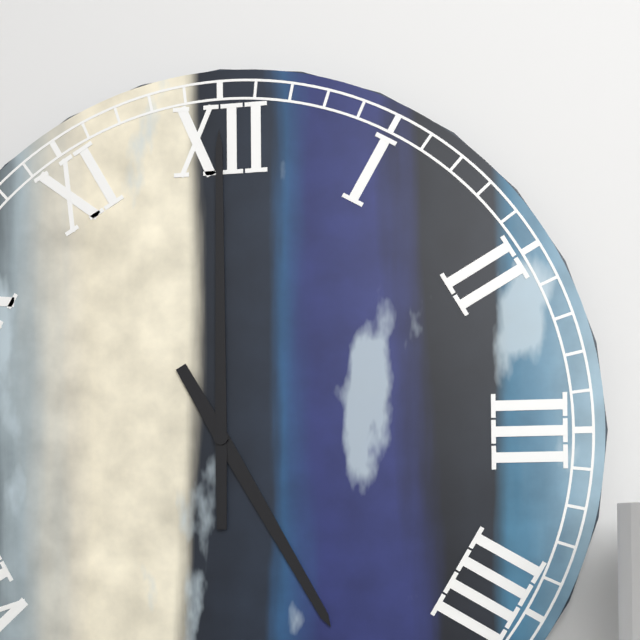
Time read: 5 h 00 min
